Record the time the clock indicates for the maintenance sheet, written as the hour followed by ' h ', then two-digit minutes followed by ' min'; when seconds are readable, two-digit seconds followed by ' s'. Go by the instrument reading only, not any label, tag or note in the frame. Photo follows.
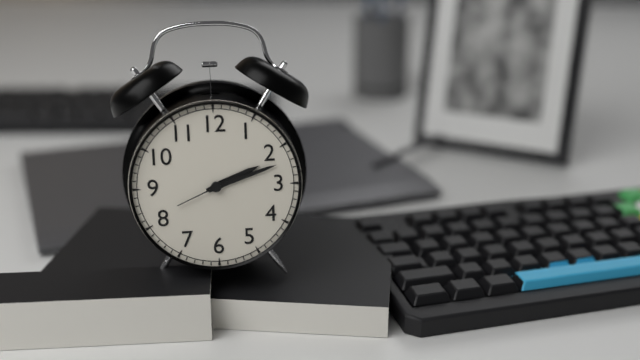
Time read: 2 h 12 min 41 s
